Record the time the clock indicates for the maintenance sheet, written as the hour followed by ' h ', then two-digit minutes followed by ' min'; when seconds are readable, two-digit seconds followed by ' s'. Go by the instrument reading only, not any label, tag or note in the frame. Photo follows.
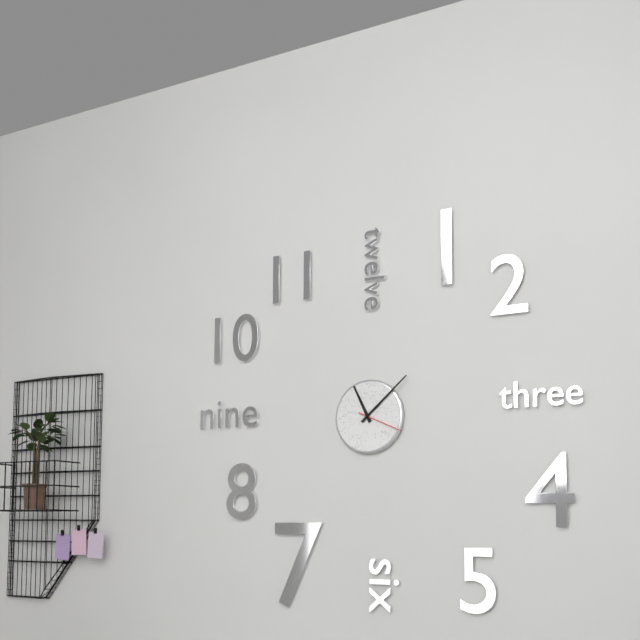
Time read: 11 h 08 min
